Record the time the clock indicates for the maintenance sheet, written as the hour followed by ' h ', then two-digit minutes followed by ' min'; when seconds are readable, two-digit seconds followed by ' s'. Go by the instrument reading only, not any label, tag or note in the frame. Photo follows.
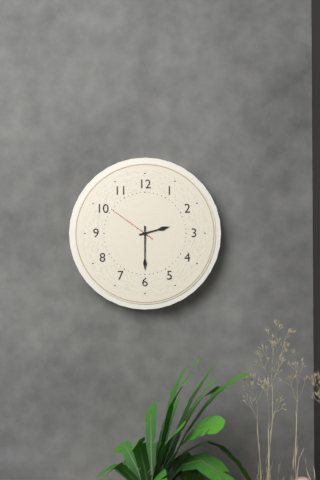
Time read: 2 h 30 min 51 s
